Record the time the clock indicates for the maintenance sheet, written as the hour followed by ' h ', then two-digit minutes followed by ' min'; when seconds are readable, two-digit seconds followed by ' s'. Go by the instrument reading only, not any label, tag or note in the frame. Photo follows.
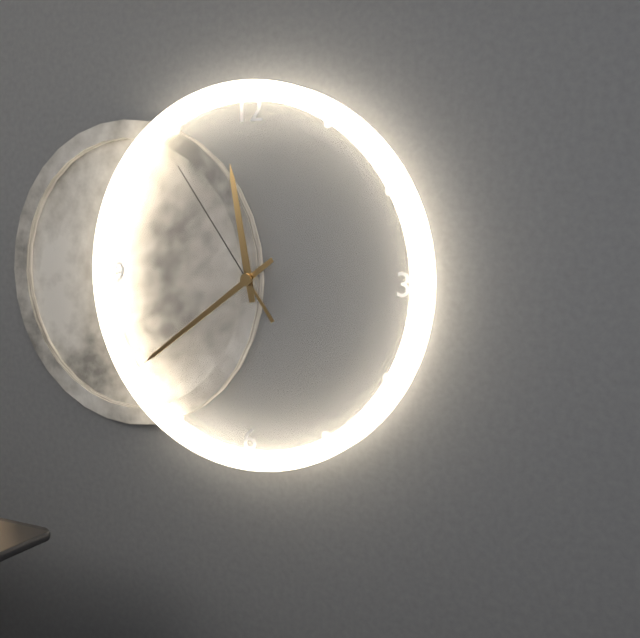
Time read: 11 h 39 min 54 s
